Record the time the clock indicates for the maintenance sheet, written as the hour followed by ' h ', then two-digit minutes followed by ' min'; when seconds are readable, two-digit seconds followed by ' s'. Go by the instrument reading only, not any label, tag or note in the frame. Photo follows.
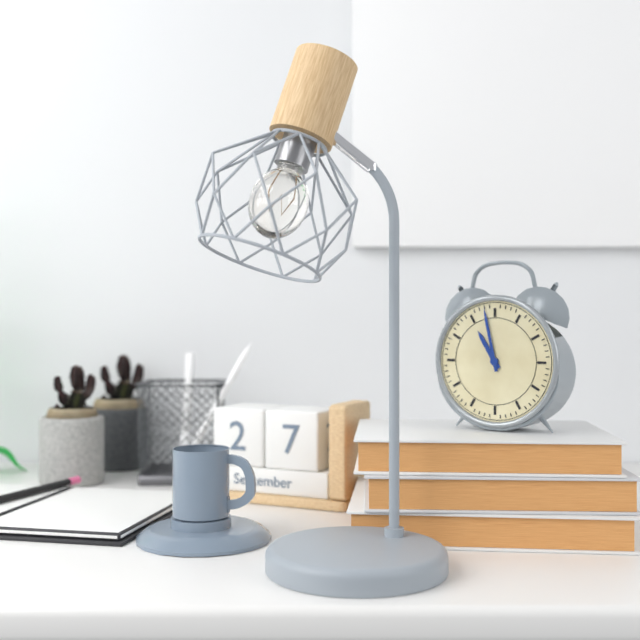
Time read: 10 h 58 min
